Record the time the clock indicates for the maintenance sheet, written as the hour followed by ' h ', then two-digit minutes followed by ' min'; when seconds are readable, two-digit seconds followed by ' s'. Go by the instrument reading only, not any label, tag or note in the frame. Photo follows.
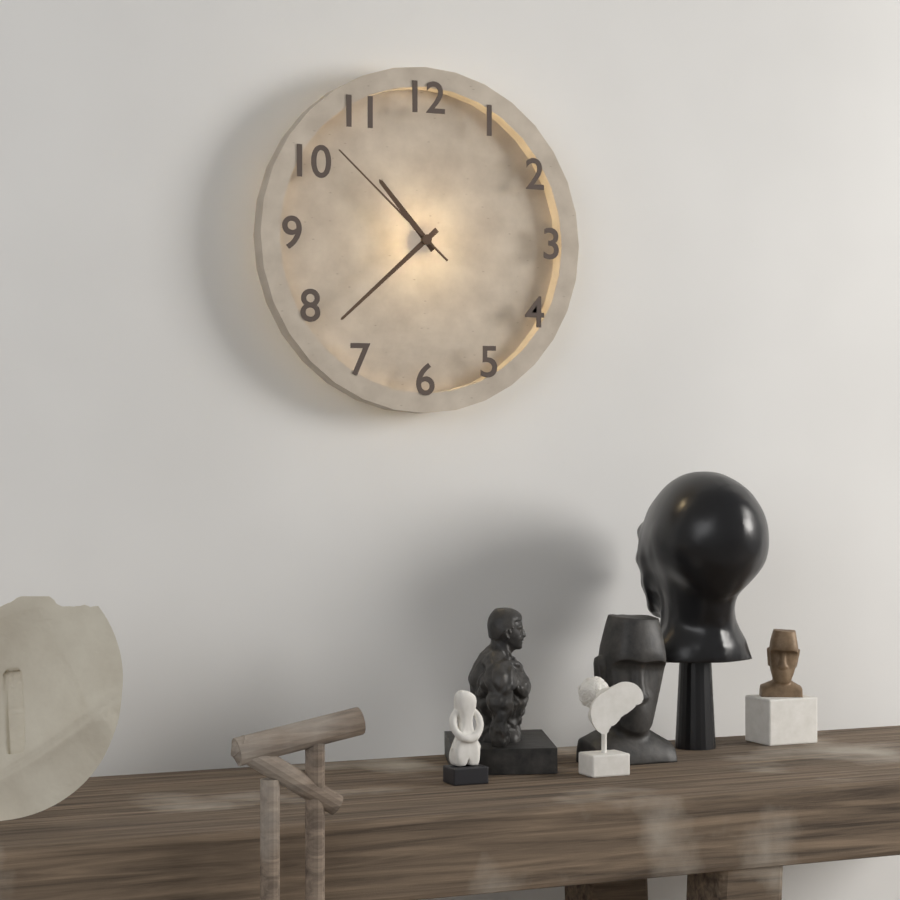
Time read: 10 h 38 min 52 s
